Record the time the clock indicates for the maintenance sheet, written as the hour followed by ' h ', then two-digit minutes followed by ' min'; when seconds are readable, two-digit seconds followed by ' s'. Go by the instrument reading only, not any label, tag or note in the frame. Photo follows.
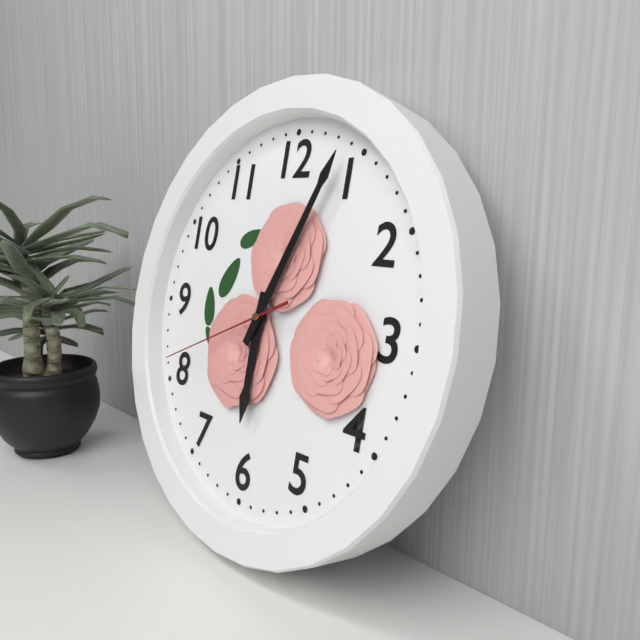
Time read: 6 h 04 min 41 s
